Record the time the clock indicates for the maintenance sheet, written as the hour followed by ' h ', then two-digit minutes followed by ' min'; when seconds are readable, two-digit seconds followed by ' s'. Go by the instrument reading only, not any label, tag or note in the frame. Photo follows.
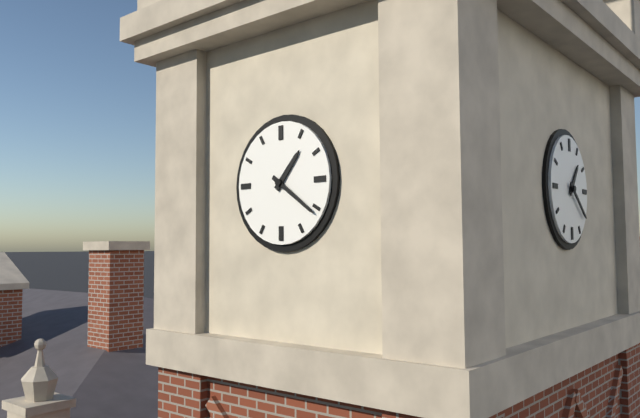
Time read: 1 h 21 min
